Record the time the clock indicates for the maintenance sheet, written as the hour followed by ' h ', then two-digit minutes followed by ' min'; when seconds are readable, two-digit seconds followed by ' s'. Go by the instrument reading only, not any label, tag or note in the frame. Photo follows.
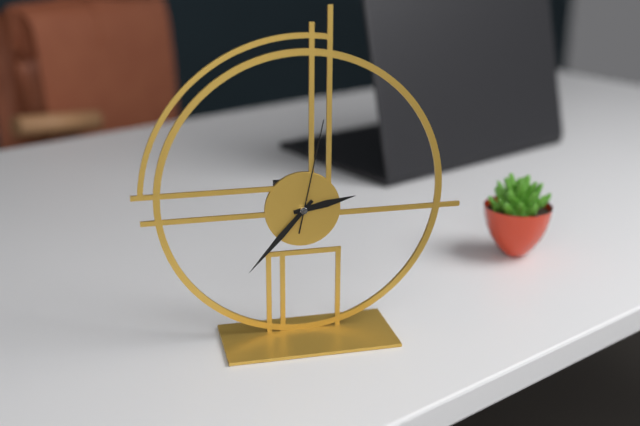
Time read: 2 h 37 min 02 s
